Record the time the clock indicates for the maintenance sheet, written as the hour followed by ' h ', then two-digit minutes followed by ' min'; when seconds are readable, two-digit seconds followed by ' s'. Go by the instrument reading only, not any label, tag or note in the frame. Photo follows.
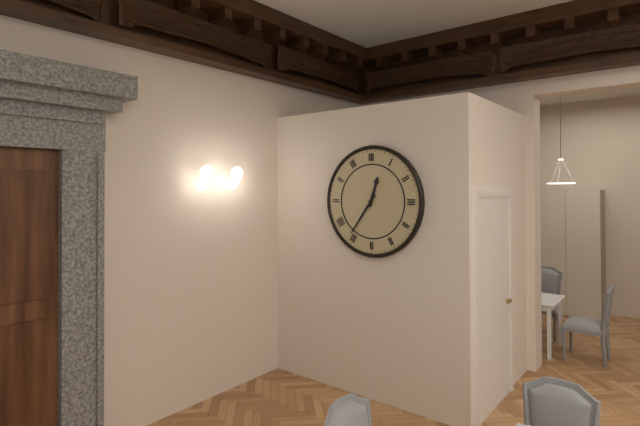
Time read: 12 h 36 min
